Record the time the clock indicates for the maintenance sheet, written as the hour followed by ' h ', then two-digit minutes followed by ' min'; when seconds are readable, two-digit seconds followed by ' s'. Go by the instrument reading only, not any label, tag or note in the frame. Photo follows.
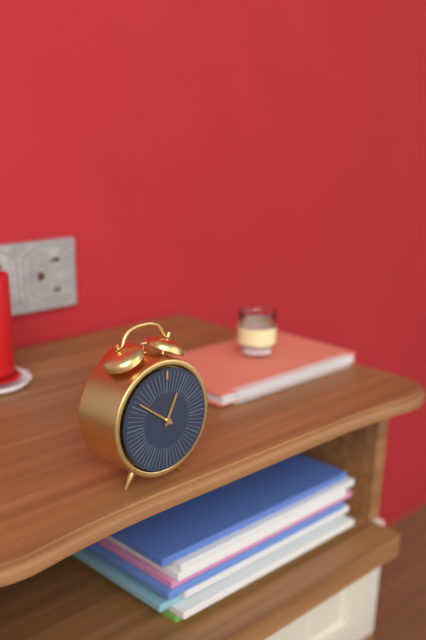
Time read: 12 h 51 min
